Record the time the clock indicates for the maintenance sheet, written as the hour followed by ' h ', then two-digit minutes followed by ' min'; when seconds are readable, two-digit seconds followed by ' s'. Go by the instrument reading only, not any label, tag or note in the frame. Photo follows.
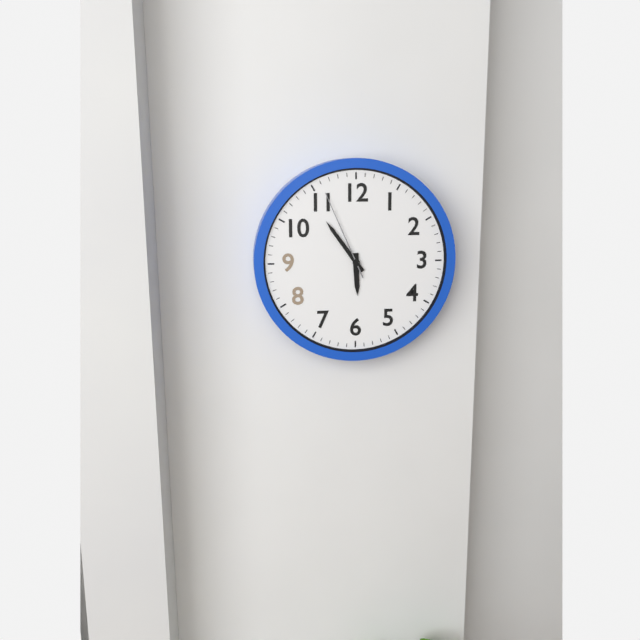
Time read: 5 h 54 min 56 s
